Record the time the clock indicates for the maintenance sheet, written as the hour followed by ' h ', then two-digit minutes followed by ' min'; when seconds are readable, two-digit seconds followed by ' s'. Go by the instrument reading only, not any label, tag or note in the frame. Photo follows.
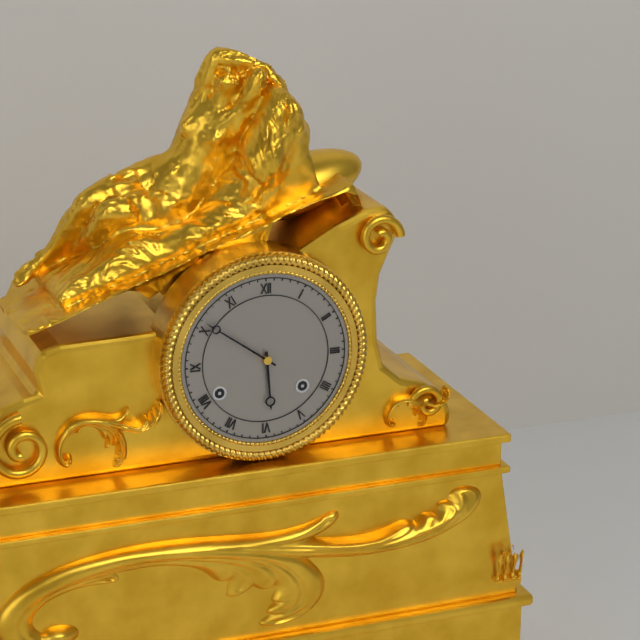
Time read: 5 h 51 min
